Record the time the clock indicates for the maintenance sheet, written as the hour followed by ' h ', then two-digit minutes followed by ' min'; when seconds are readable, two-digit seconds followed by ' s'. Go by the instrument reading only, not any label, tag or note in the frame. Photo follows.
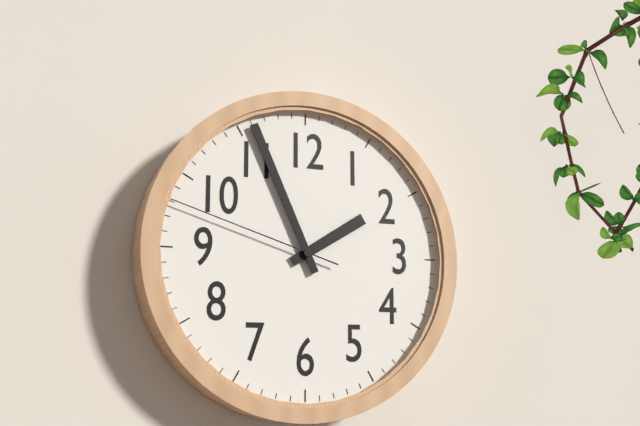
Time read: 1 h 56 min 48 s
